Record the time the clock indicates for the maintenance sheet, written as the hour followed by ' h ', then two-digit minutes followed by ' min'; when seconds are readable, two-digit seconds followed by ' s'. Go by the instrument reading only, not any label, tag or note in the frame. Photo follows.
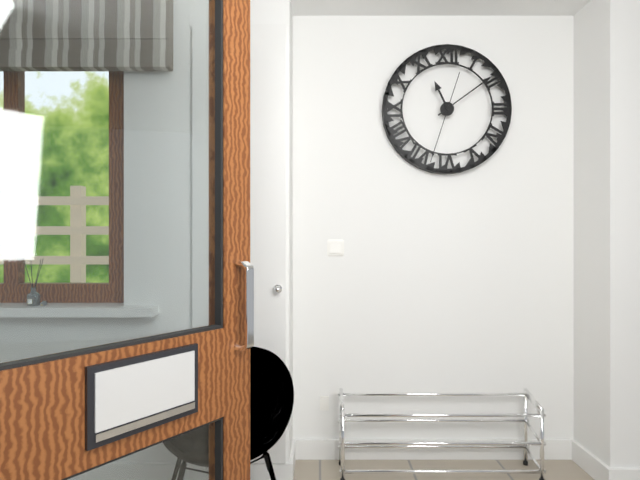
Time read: 11 h 09 min 33 s
